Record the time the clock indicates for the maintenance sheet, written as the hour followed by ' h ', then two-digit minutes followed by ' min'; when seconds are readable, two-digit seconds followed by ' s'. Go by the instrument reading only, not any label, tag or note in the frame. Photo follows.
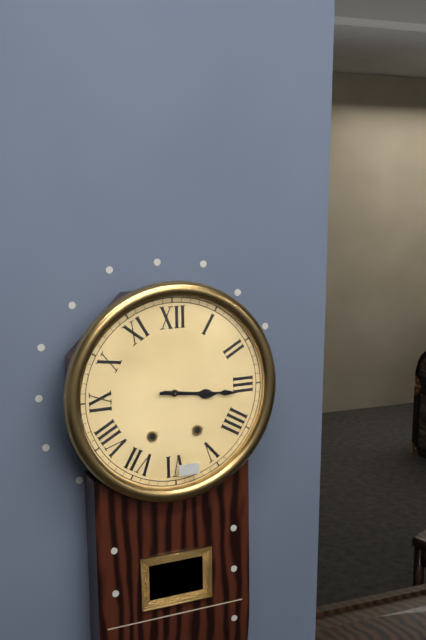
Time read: 3 h 16 min
